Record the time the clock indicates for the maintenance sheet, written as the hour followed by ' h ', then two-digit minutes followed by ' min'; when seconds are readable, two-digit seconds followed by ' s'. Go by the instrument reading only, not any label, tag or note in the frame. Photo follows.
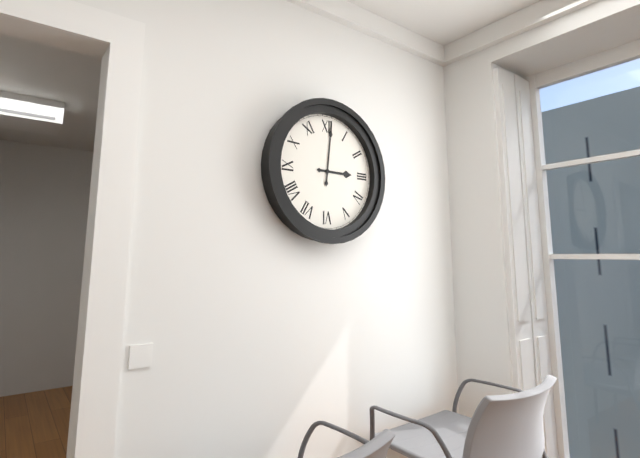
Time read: 3 h 01 min
